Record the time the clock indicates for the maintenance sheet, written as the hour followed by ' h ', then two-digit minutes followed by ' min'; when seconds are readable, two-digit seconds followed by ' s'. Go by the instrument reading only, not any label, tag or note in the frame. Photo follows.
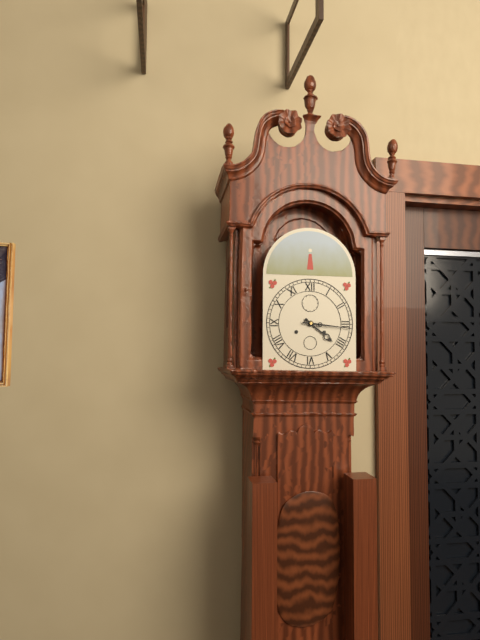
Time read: 4 h 16 min
